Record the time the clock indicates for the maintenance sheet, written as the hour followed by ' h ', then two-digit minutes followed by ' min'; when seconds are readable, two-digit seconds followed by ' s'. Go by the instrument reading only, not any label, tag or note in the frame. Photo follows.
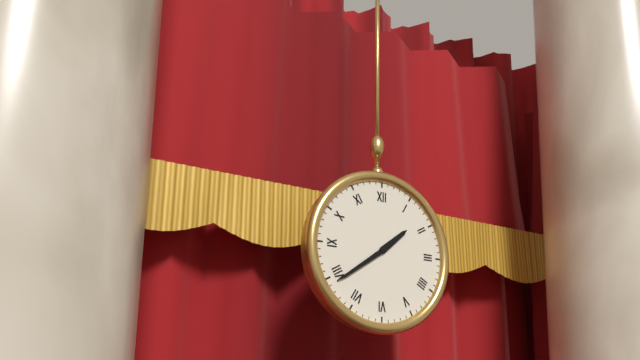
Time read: 1 h 39 min
